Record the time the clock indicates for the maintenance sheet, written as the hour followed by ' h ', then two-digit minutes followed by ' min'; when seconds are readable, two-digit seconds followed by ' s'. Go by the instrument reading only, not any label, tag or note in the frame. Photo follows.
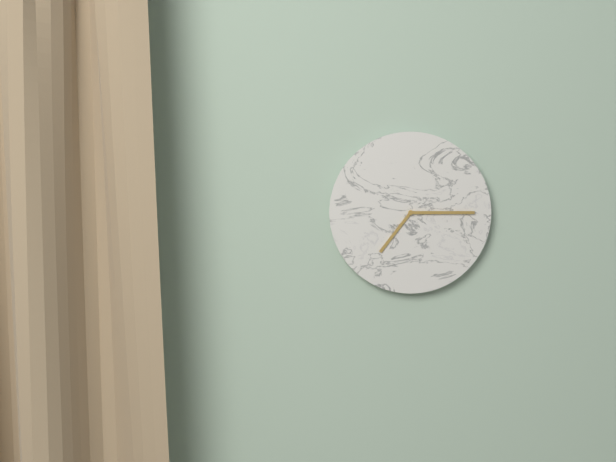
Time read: 7 h 15 min
